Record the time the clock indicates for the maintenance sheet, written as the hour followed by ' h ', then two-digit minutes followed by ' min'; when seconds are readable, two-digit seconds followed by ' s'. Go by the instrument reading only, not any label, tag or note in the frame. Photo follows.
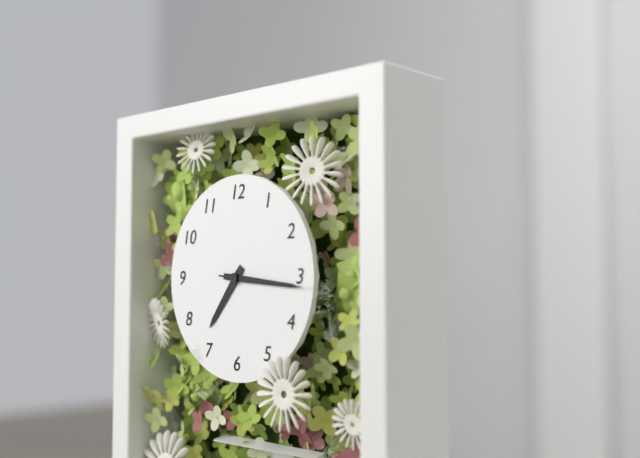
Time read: 7 h 16 min 16 s
